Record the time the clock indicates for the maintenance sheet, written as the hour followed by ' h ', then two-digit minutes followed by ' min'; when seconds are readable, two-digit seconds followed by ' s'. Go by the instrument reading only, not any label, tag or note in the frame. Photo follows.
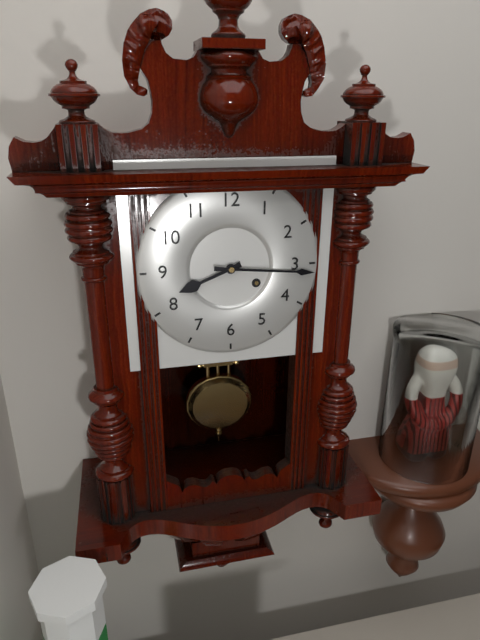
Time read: 8 h 16 min
